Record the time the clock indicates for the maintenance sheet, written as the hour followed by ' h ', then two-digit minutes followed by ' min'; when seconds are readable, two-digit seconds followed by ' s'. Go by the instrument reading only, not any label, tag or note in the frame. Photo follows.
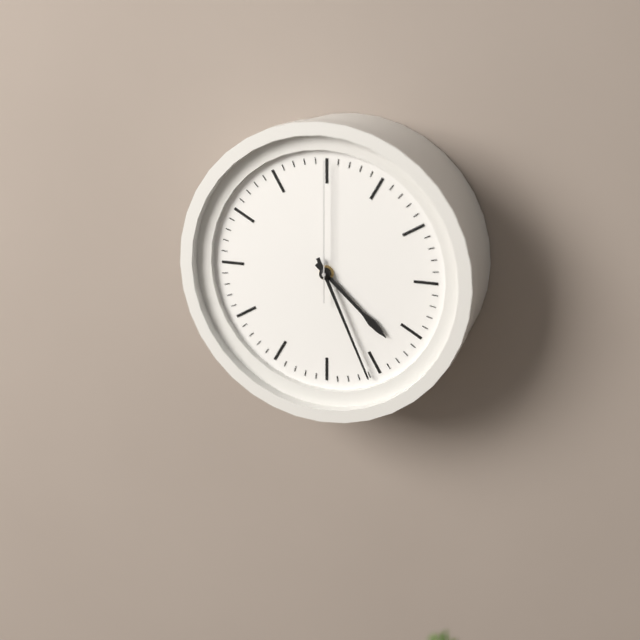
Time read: 4 h 26 min 00 s
